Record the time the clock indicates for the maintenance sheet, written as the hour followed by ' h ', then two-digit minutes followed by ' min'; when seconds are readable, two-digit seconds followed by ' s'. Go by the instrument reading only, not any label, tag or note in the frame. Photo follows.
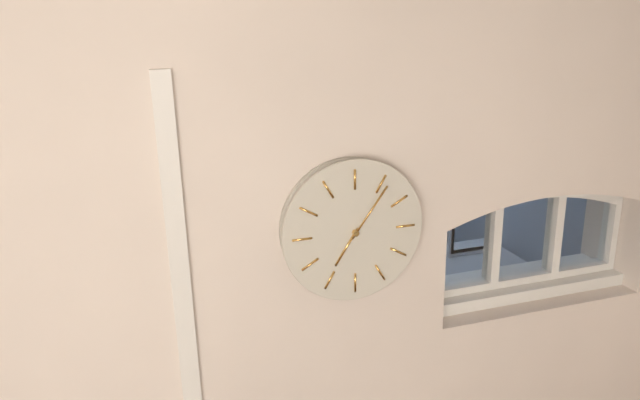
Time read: 7 h 06 min
